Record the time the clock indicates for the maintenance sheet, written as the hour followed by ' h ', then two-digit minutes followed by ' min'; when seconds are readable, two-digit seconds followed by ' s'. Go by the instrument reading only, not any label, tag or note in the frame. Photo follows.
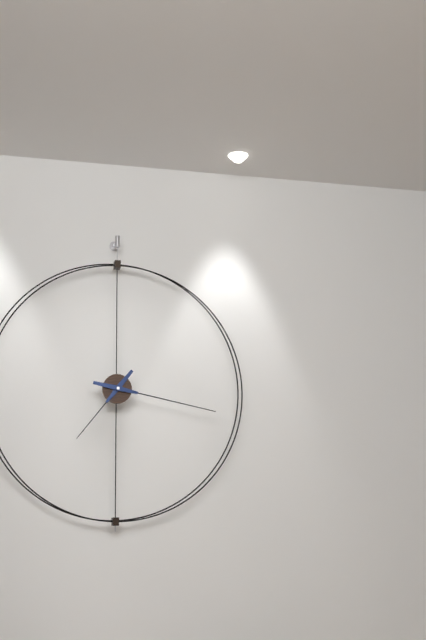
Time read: 7 h 17 min
